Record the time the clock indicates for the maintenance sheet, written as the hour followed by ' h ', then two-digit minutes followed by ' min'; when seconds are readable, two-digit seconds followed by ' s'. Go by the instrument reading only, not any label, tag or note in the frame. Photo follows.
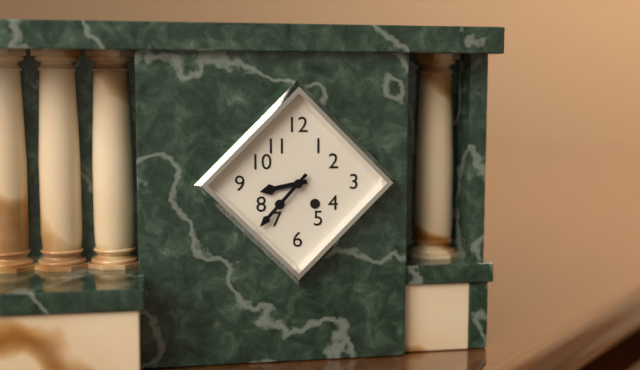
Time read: 8 h 37 min
